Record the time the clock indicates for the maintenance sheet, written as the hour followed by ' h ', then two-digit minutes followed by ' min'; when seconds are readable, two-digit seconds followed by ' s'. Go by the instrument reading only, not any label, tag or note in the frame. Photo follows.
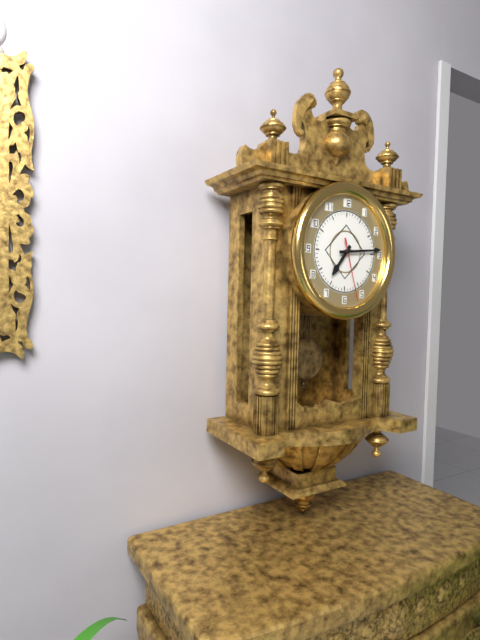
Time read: 7 h 14 min 27 s
